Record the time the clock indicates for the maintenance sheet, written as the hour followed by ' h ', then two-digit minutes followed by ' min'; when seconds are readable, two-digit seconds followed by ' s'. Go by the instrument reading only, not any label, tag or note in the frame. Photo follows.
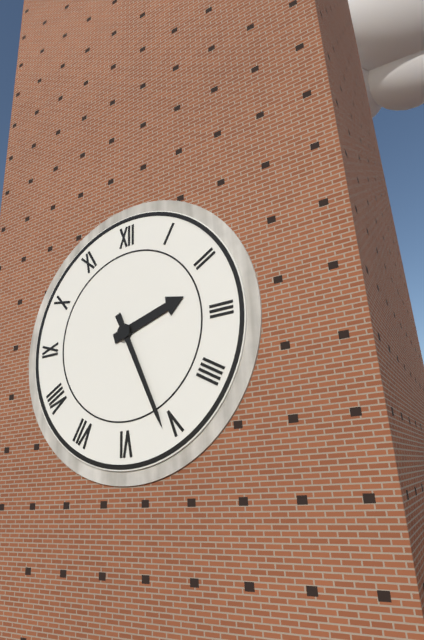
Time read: 2 h 26 min
